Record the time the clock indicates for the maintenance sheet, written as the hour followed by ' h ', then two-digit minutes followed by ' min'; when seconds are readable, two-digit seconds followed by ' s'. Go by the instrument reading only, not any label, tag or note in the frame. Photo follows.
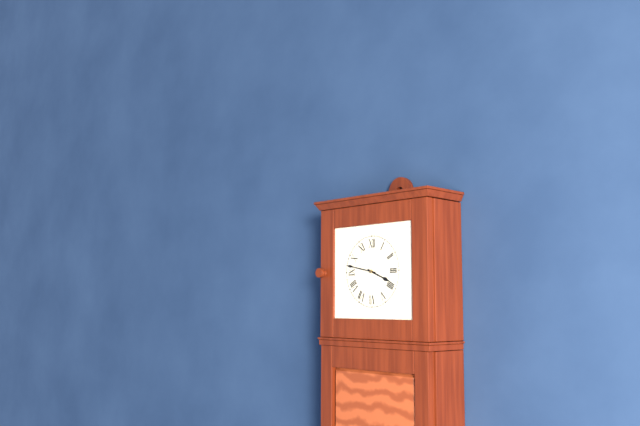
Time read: 3 h 47 min
